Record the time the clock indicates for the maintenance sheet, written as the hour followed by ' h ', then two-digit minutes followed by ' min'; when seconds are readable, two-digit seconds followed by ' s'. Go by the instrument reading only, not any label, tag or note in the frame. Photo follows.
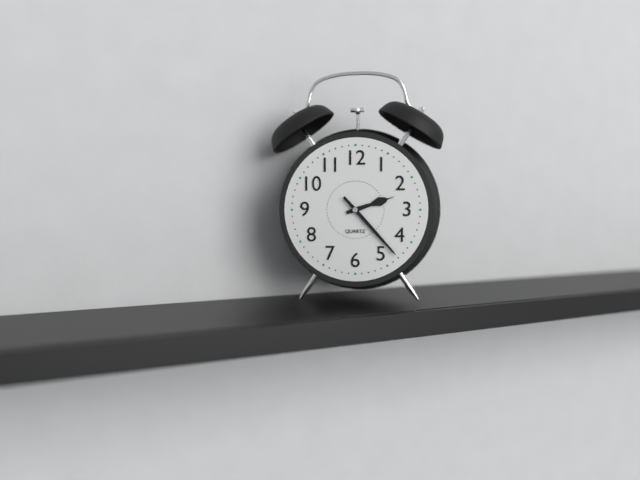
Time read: 2 h 23 min
